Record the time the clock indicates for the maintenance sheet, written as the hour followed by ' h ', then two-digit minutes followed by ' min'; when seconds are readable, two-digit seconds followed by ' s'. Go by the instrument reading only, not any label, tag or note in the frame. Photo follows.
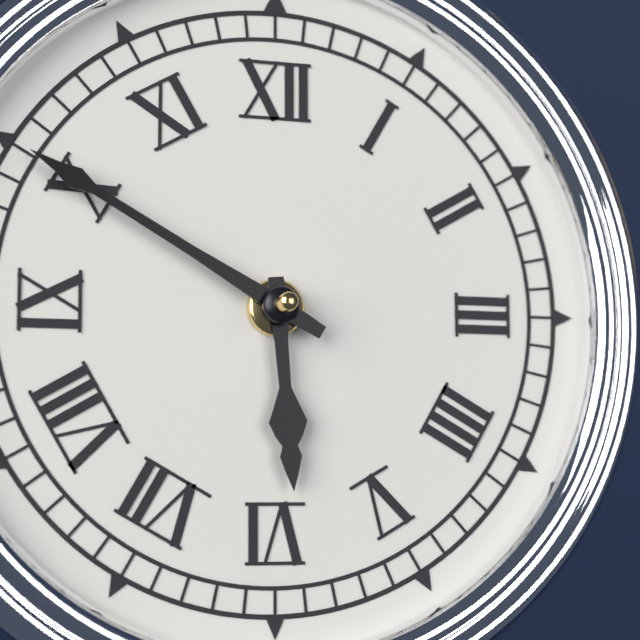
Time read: 5 h 50 min
